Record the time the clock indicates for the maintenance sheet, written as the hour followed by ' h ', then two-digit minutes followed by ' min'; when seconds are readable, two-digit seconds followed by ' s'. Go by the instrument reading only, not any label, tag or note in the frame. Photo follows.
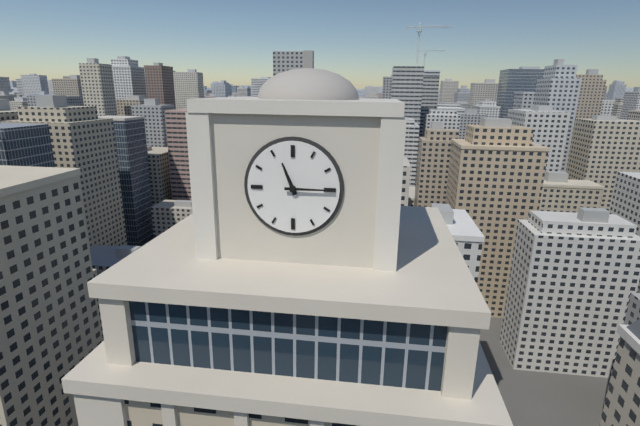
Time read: 11 h 15 min
